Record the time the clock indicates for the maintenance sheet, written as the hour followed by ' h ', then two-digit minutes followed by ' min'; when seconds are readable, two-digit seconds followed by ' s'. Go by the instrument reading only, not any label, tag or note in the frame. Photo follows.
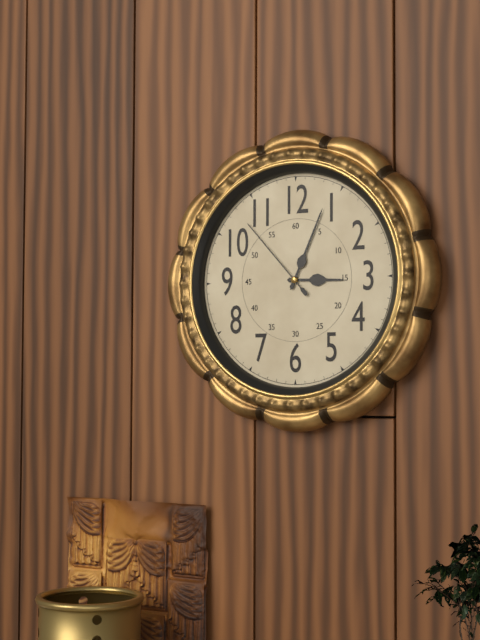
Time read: 3 h 04 min 53 s
